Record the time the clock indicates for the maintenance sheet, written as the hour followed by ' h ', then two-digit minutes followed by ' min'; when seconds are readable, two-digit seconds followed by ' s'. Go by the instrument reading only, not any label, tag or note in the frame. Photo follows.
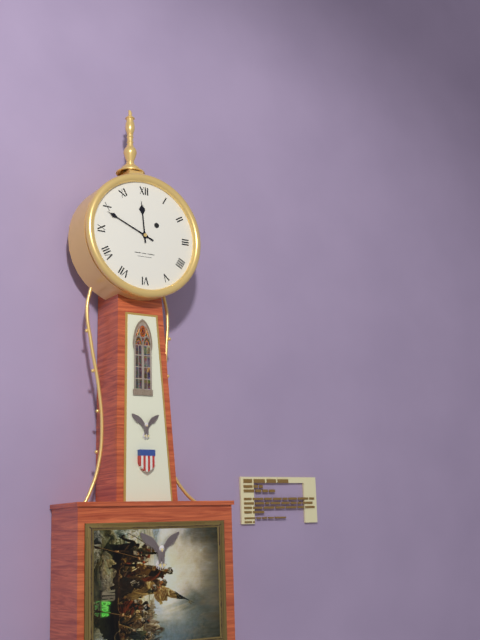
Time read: 11 h 49 min
